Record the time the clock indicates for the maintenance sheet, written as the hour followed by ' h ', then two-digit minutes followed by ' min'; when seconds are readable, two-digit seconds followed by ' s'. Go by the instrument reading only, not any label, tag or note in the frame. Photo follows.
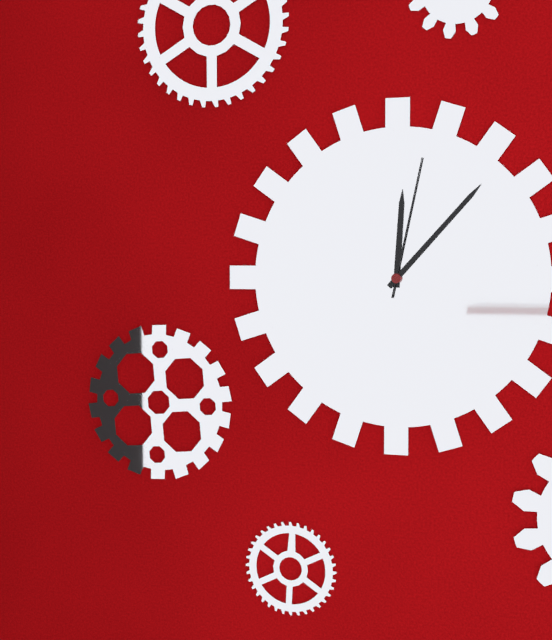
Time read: 12 h 07 min 02 s
